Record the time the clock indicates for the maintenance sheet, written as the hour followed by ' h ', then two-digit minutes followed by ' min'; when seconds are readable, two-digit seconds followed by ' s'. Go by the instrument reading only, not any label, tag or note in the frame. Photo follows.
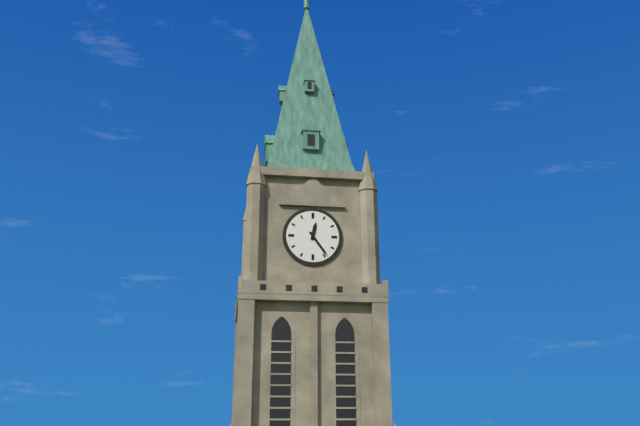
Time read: 12 h 24 min
